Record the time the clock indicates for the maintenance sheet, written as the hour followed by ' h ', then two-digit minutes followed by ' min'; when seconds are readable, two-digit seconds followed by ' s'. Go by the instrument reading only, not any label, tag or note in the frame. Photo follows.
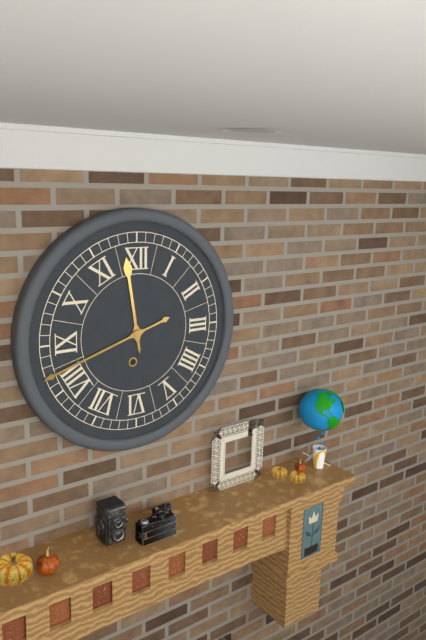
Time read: 11 h 42 min
